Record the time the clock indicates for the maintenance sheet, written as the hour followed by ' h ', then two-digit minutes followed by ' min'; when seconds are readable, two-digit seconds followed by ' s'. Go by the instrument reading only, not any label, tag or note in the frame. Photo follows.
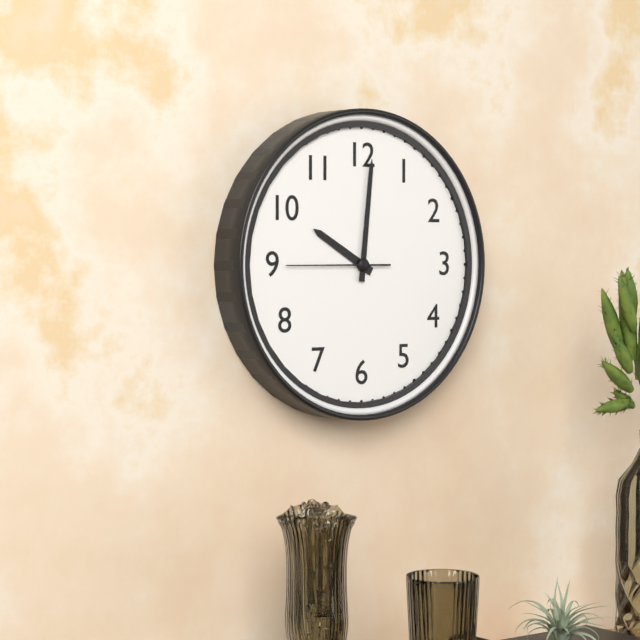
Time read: 10 h 01 min 45 s
